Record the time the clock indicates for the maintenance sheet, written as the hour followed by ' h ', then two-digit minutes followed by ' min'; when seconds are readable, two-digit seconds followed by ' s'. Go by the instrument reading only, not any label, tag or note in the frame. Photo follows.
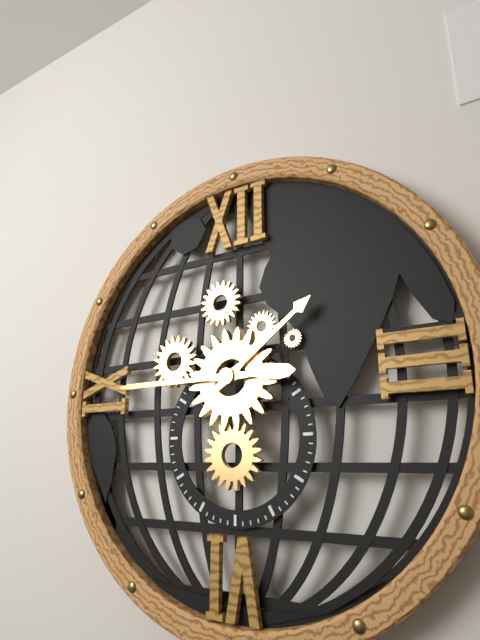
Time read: 1 h 45 min
